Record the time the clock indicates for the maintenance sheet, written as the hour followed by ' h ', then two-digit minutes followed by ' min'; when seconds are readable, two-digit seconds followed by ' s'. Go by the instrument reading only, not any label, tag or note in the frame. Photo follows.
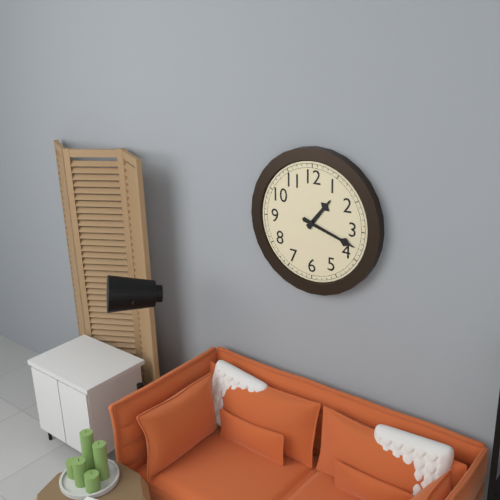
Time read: 1 h 18 min
